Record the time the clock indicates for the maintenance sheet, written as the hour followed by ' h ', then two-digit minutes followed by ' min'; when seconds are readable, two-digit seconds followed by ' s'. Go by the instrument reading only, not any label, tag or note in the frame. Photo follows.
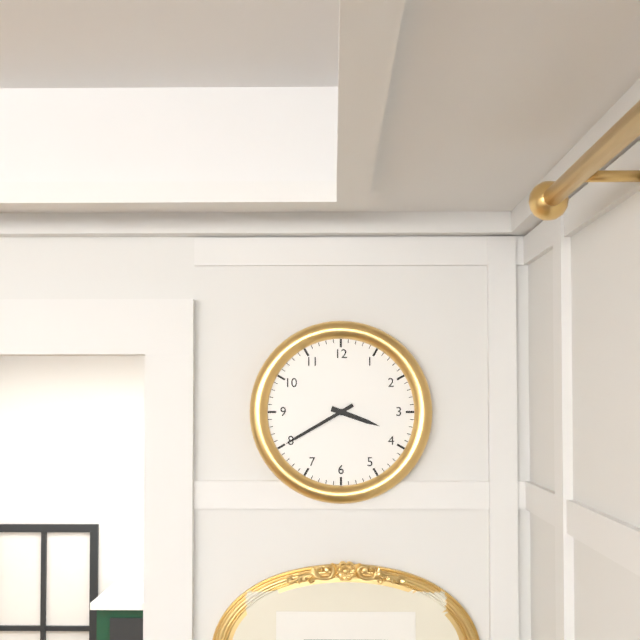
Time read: 3 h 40 min
